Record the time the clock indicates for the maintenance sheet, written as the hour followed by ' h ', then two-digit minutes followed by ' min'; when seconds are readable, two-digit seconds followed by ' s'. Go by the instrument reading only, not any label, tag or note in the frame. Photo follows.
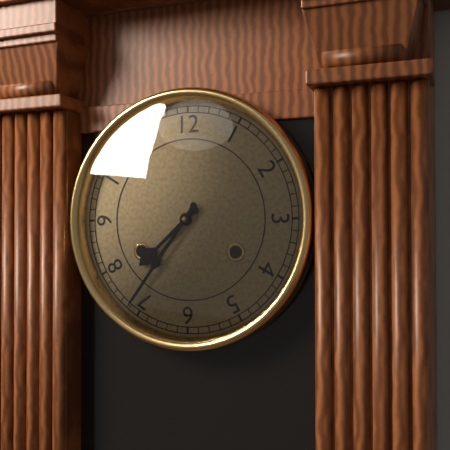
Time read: 7 h 36 min
